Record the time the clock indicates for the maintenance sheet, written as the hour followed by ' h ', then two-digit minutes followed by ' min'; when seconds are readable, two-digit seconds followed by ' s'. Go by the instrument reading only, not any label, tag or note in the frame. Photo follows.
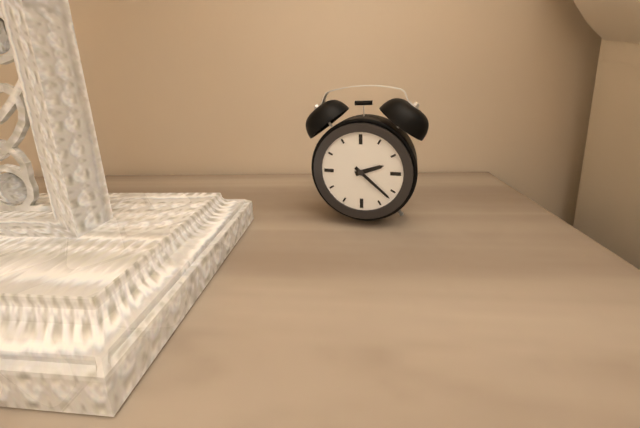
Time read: 2 h 22 min
